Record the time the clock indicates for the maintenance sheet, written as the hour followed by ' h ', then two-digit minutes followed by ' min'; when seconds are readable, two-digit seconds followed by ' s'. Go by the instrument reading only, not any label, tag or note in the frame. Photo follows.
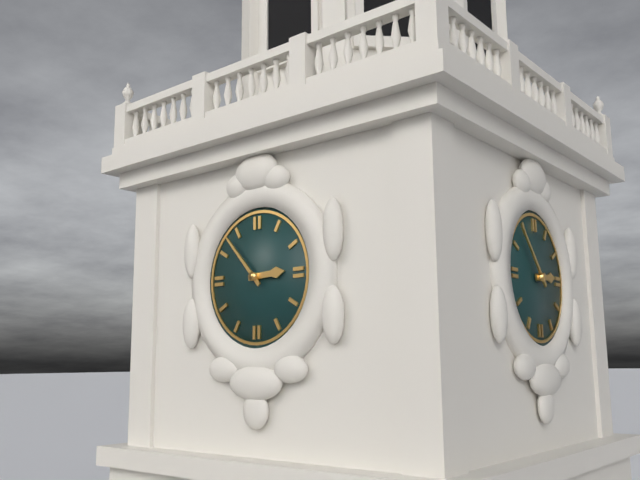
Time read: 2 h 53 min
